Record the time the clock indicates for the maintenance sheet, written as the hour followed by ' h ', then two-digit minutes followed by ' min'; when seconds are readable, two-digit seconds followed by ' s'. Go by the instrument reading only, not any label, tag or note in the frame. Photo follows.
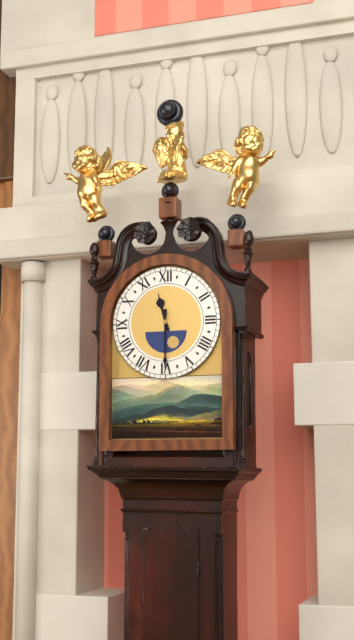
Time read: 11 h 30 min
